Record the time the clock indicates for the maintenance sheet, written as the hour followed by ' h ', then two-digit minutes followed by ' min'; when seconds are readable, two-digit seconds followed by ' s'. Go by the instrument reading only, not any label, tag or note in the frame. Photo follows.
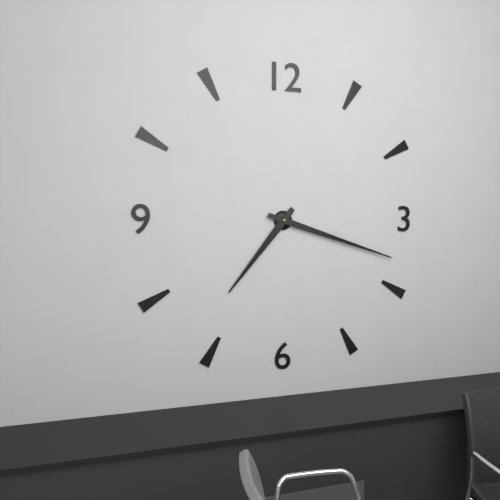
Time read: 7 h 18 min
